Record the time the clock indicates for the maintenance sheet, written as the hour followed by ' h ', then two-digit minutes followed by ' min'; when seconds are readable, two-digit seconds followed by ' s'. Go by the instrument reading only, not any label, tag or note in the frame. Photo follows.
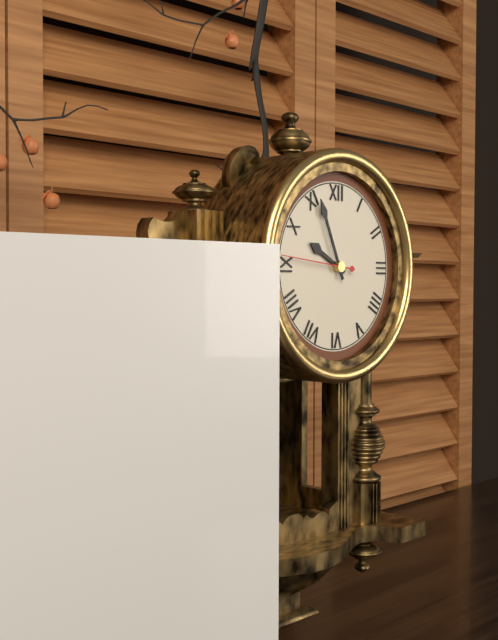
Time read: 9 h 56 min 46 s
